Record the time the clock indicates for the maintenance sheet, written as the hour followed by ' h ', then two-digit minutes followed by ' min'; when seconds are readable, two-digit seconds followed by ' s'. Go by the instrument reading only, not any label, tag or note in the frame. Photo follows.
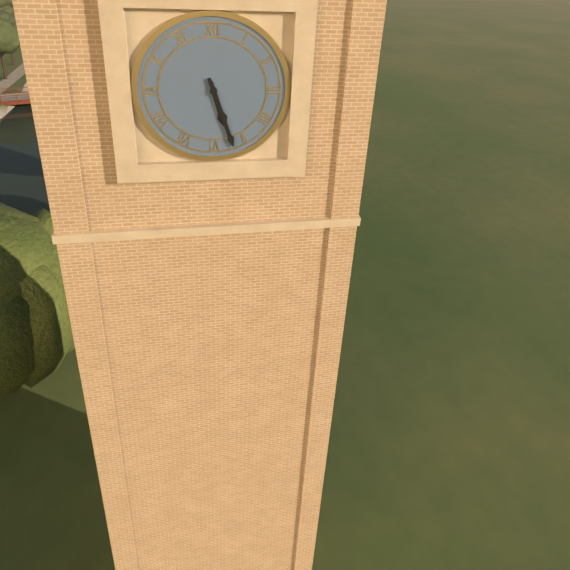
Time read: 5 h 27 min
